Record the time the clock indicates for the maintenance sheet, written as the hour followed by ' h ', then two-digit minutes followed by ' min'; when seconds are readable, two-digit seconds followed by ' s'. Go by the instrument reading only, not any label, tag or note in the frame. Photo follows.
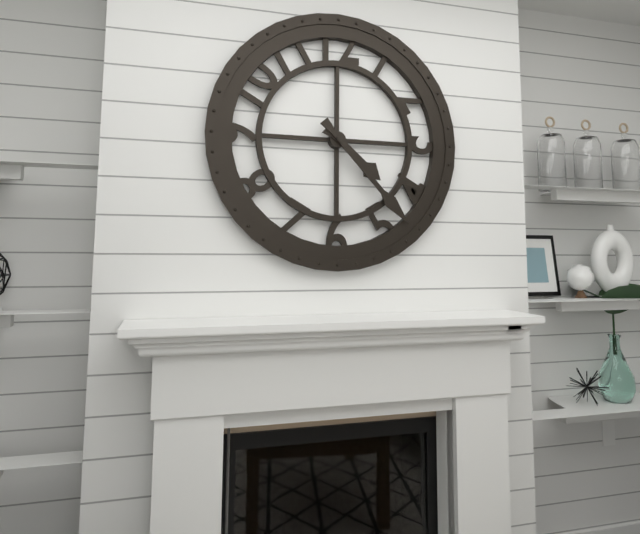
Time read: 4 h 23 min
